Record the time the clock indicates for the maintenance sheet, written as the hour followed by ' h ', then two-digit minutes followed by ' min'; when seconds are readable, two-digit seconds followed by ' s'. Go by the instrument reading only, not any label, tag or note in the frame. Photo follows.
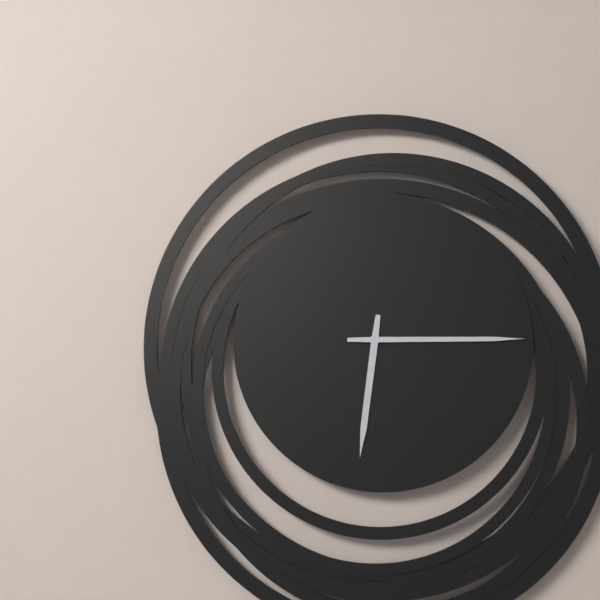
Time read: 6 h 15 min
